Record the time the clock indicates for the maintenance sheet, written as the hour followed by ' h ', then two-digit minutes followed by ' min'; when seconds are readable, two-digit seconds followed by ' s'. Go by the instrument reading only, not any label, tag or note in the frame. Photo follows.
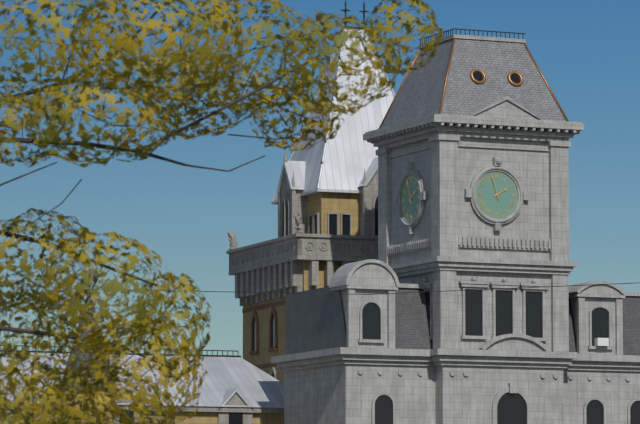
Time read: 1 h 57 min
